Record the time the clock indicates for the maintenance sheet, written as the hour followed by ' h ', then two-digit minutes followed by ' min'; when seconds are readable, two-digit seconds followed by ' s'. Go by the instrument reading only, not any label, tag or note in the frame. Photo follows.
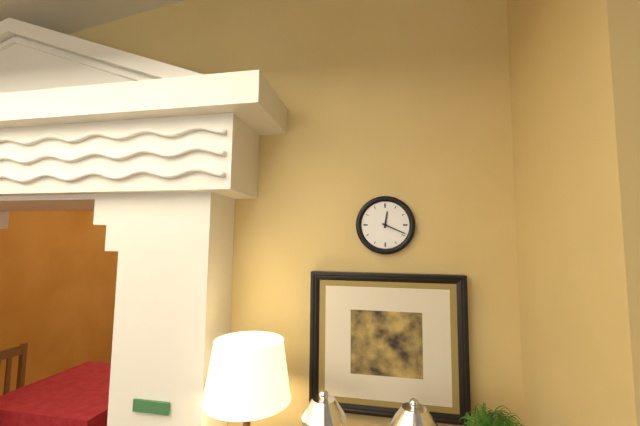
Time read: 12 h 19 min
